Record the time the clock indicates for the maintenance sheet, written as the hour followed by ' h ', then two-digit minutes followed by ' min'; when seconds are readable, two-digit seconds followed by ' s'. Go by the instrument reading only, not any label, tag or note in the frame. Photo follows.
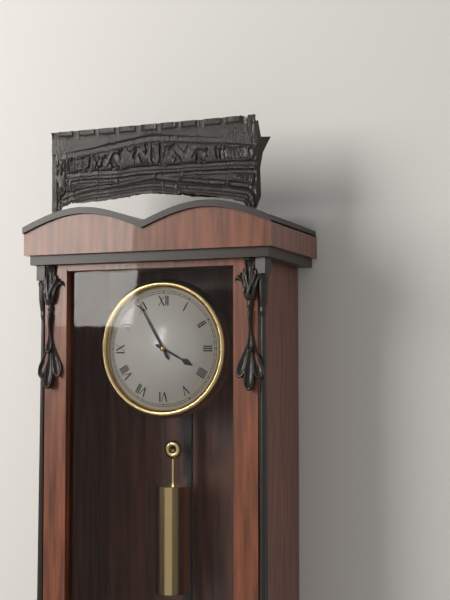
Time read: 3 h 55 min
